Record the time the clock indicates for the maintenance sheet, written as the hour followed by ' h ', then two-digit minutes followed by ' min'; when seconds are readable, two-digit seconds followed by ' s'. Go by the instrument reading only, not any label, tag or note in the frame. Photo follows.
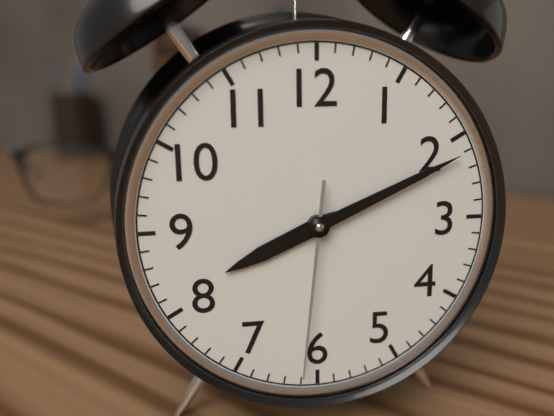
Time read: 8 h 11 min 31 s
